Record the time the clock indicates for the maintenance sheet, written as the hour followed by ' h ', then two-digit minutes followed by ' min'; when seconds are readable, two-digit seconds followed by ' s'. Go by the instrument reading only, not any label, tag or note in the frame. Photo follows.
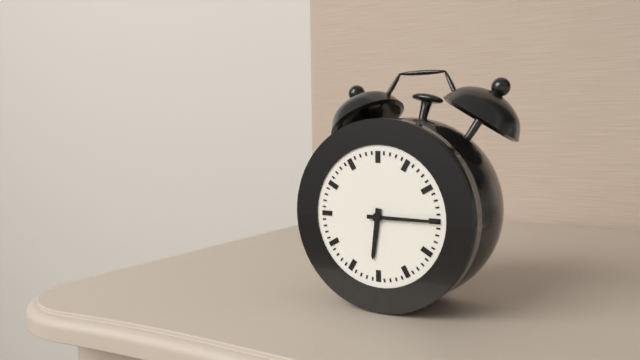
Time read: 6 h 15 min
